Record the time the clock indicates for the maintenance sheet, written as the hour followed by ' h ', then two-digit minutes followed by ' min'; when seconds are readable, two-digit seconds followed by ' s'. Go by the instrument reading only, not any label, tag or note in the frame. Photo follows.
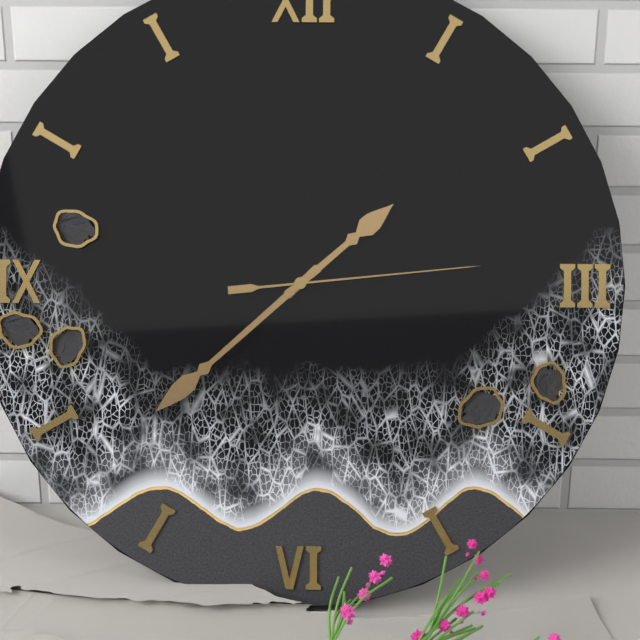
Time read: 1 h 38 min 14 s
